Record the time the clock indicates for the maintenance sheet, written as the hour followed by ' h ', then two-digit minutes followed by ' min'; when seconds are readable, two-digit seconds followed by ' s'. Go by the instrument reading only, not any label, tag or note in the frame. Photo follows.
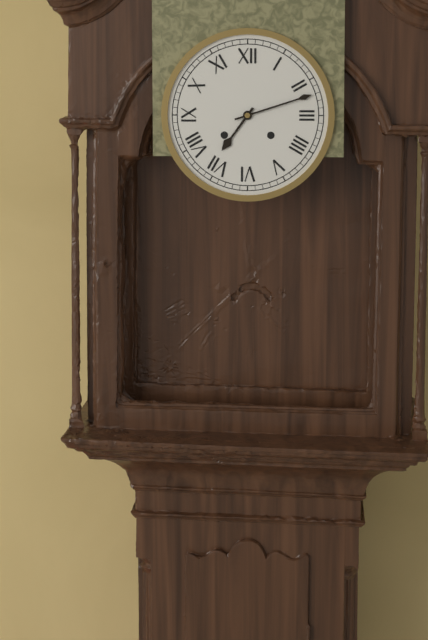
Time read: 7 h 12 min
